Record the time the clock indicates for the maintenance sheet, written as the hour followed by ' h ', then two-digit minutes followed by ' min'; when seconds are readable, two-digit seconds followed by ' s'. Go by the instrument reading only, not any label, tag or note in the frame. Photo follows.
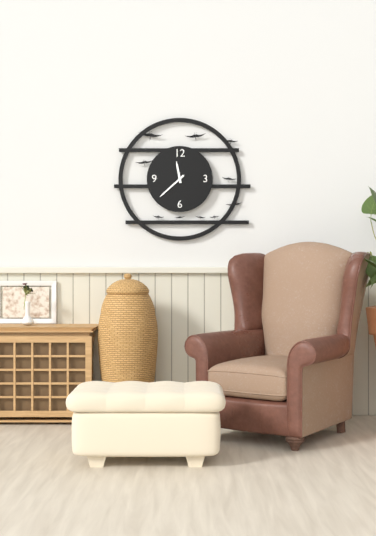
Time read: 11 h 38 min
